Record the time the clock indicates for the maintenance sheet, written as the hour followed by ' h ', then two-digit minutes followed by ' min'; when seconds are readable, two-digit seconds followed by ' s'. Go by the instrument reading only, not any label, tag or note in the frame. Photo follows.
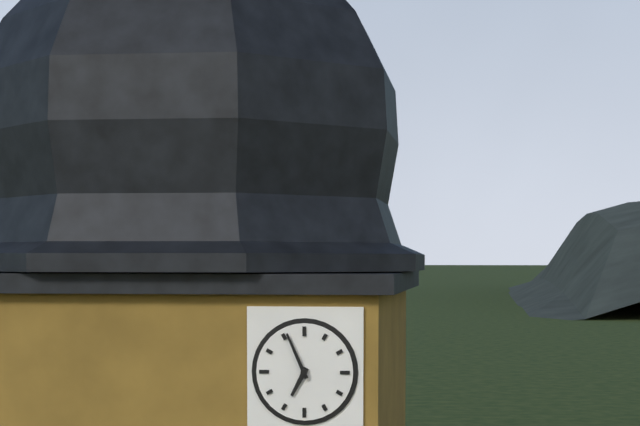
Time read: 6 h 56 min
